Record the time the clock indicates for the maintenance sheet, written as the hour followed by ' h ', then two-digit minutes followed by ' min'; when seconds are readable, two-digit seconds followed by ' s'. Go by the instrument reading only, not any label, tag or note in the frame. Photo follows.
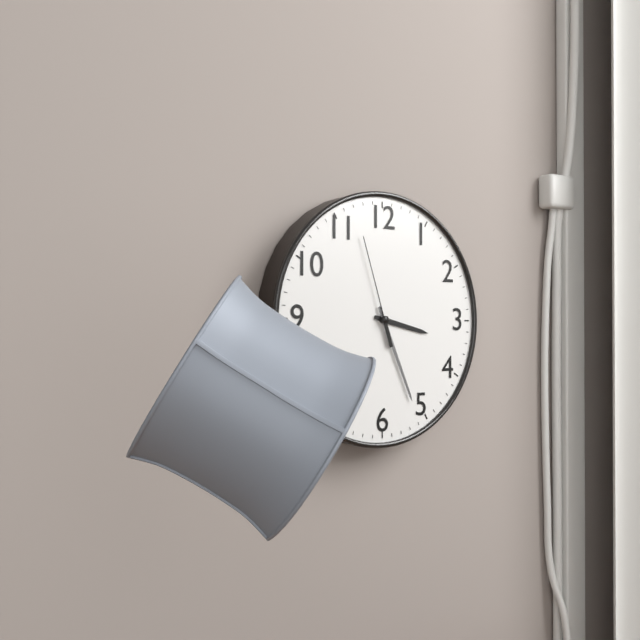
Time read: 3 h 26 min 57 s
